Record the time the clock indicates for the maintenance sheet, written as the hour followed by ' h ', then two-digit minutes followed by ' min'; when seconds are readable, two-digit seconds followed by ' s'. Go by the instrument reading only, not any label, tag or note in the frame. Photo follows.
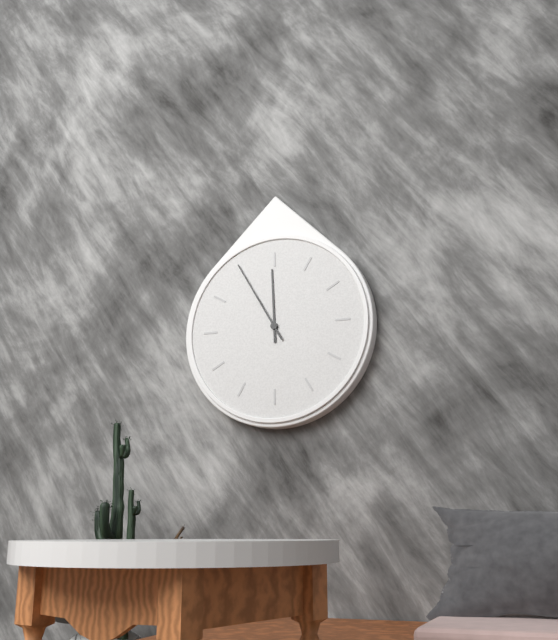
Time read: 11 h 55 min
